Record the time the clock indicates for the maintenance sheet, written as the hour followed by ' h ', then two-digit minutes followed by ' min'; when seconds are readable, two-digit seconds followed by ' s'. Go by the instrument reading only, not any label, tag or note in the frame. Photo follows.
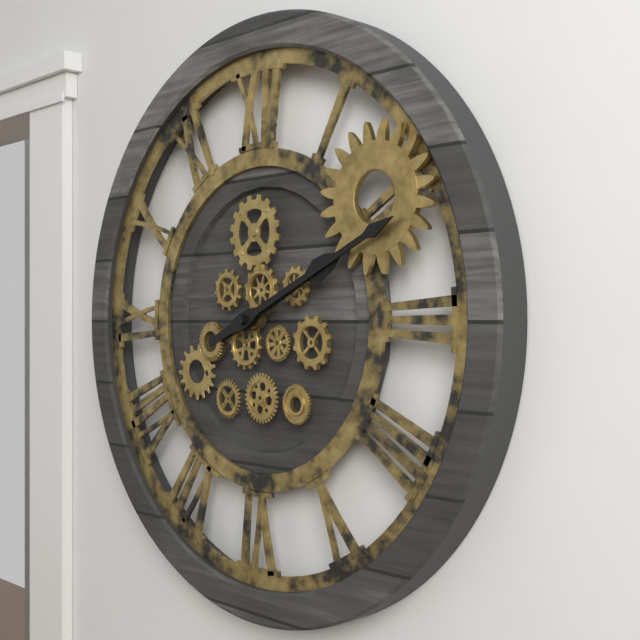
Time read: 2 h 11 min
